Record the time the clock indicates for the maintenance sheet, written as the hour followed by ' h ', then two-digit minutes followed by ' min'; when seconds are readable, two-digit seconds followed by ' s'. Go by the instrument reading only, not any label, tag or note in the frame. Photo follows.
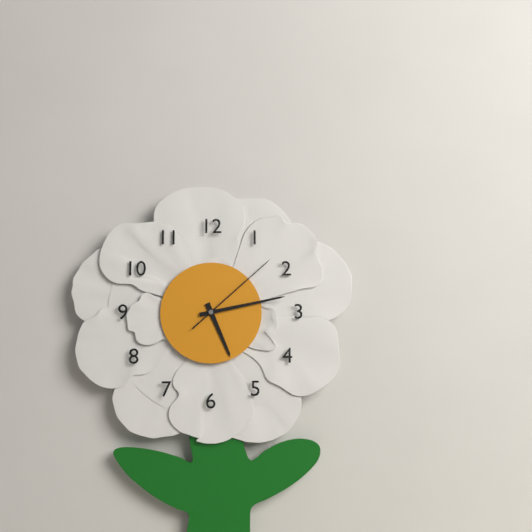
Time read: 5 h 13 min 08 s
